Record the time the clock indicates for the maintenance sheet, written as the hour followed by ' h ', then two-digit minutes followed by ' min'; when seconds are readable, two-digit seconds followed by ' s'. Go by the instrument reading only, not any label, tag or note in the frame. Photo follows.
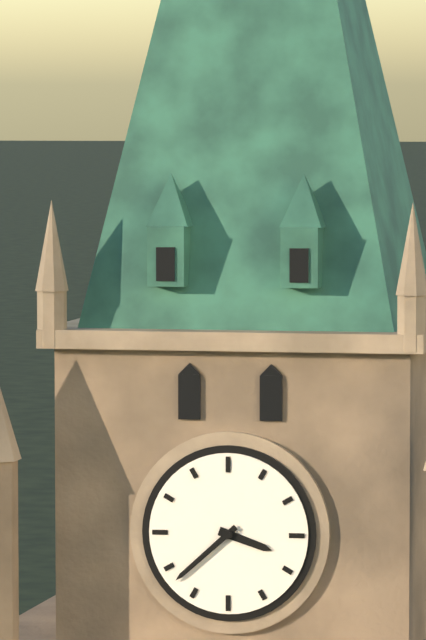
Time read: 3 h 38 min
